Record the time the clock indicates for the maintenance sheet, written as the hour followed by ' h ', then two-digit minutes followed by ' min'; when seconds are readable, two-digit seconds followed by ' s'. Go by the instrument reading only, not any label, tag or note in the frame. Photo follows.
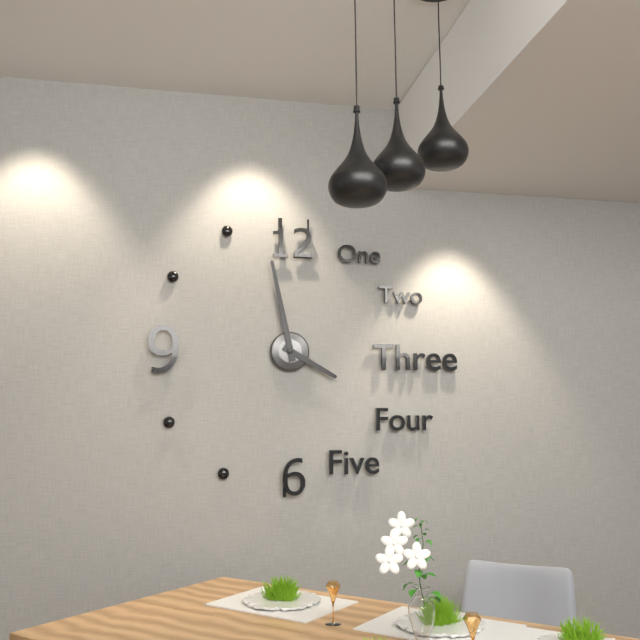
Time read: 3 h 58 min
